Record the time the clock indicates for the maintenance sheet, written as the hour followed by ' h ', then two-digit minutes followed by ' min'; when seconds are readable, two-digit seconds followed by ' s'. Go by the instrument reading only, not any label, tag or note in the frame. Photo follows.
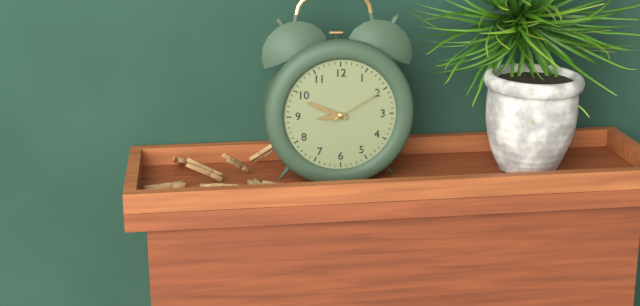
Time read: 8 h 49 min 10 s
